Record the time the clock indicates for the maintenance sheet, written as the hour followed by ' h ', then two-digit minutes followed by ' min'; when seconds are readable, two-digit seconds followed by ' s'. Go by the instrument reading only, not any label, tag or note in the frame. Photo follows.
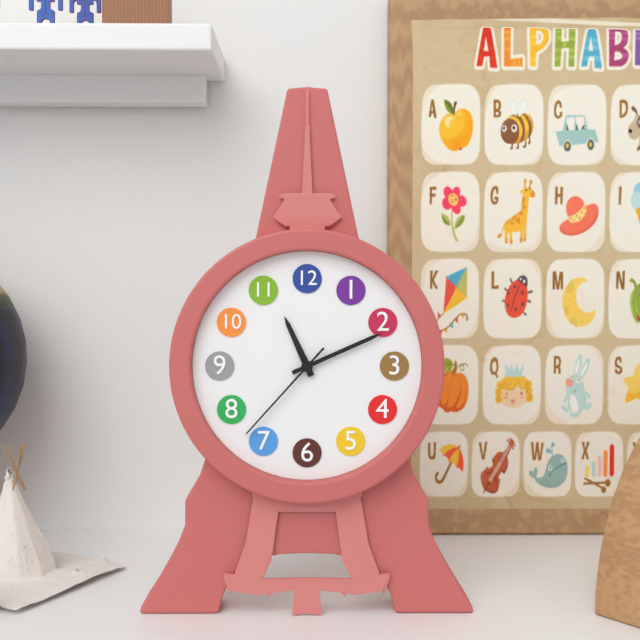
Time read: 11 h 11 min 37 s
